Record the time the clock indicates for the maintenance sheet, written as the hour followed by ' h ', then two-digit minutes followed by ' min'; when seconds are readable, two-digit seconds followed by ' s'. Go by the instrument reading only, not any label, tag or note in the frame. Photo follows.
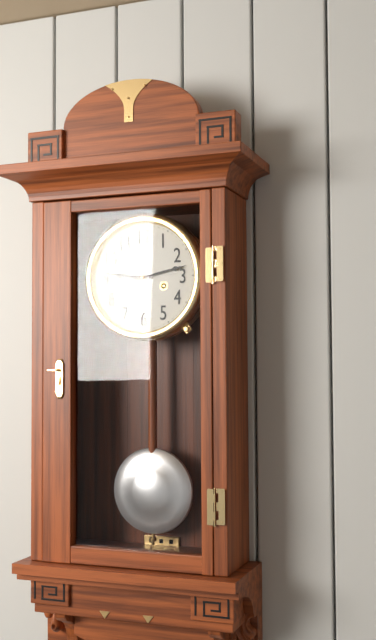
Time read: 9 h 13 min
